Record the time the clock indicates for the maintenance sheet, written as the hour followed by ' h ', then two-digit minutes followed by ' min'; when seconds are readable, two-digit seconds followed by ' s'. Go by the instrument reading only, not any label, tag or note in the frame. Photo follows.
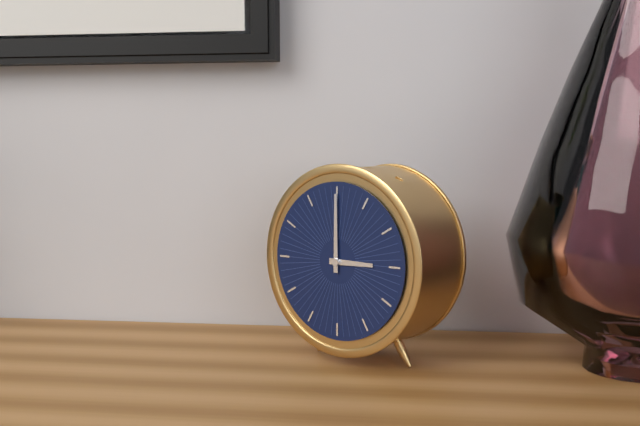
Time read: 3 h 00 min
